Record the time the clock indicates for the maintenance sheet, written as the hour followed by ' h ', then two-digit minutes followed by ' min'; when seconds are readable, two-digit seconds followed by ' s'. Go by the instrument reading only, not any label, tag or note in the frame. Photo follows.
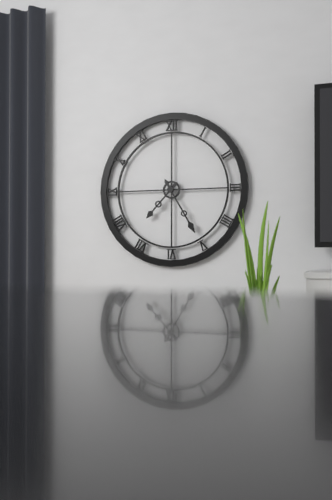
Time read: 7 h 25 min
